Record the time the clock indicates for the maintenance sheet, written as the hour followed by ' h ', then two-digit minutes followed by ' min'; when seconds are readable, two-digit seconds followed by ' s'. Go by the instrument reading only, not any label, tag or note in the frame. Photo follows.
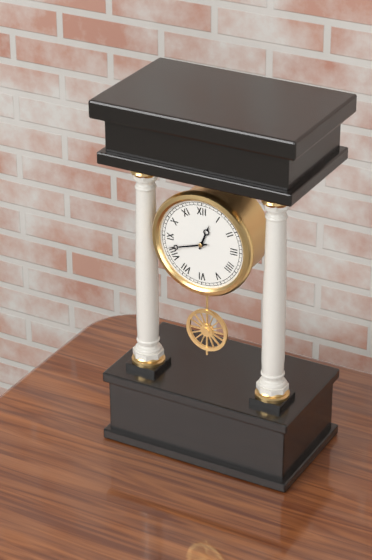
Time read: 12 h 42 min
